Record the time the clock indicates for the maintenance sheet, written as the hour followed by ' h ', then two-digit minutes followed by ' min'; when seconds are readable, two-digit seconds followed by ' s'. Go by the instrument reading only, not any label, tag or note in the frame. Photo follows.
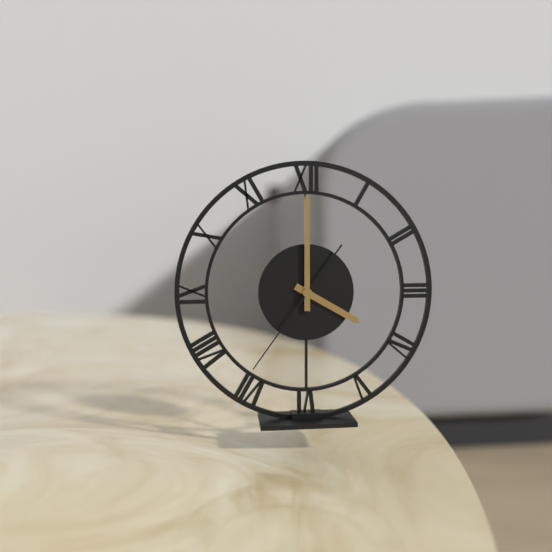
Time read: 4 h 00 min 36 s
